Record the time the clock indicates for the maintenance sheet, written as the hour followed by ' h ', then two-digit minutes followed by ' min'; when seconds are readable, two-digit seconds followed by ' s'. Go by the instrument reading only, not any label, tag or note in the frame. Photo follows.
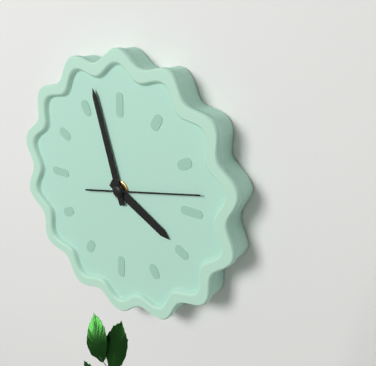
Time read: 3 h 57 min 13 s
